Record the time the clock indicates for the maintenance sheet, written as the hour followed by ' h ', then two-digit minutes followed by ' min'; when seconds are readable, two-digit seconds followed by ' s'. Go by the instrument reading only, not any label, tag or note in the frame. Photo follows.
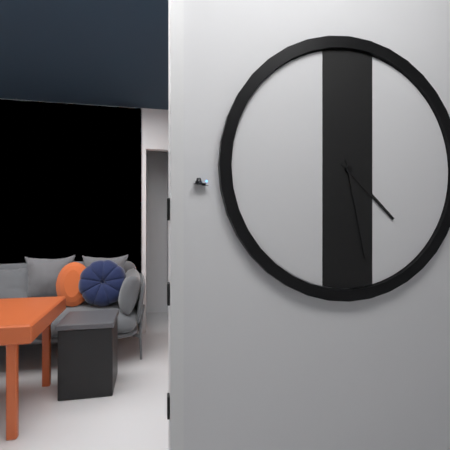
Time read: 4 h 28 min
